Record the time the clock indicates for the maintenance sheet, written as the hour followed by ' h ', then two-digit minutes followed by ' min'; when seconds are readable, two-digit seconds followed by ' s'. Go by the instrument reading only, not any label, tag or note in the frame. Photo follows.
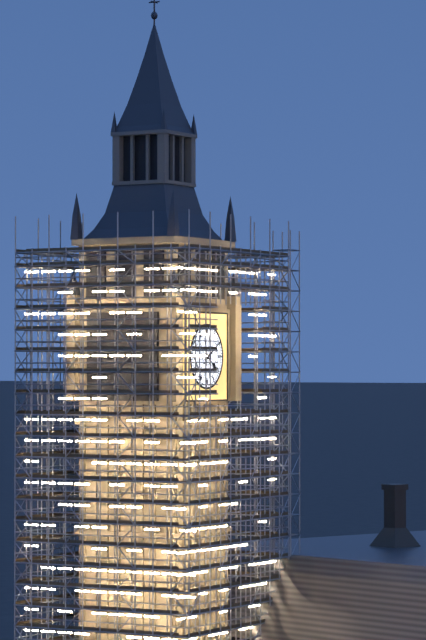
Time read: 4 h 10 min
